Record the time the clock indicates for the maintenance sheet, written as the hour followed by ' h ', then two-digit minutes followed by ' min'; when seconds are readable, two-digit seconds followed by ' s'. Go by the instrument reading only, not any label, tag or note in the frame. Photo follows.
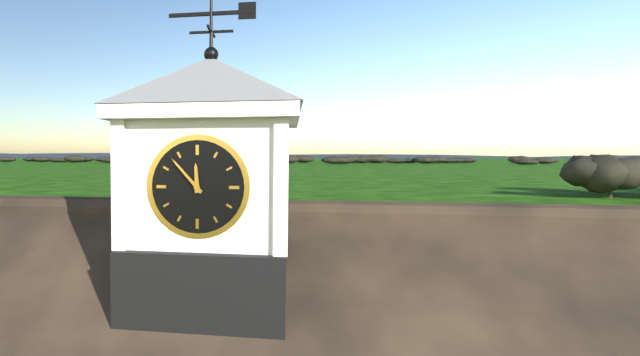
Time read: 11 h 53 min
